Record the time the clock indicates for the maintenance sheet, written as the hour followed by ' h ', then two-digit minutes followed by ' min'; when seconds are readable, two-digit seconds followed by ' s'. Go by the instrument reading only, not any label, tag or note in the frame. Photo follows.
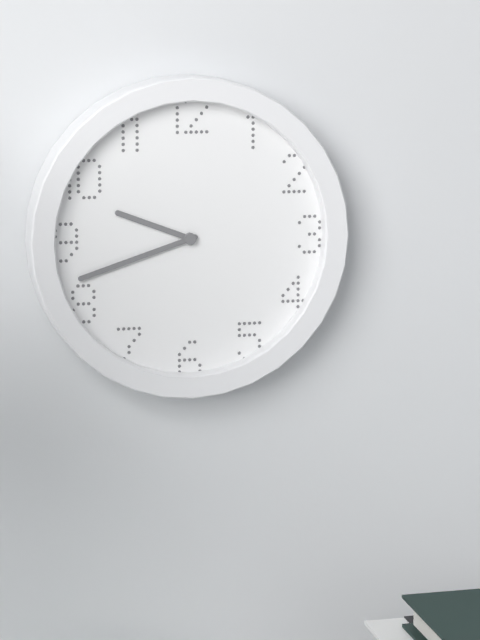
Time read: 9 h 42 min
